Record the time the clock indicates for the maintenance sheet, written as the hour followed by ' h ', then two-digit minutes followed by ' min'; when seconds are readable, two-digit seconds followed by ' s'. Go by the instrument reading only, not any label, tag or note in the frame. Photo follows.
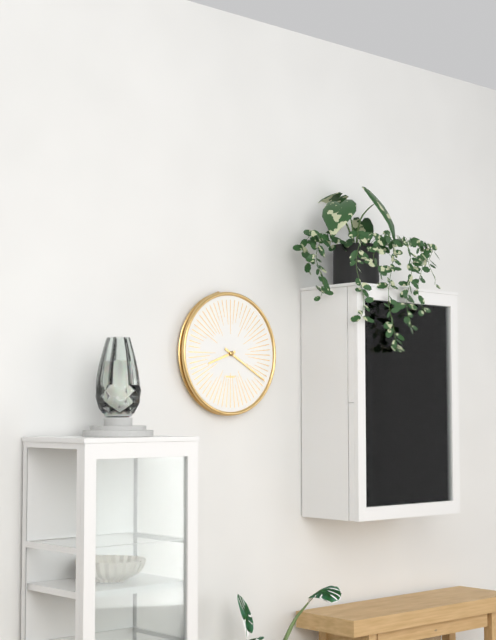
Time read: 8 h 20 min
